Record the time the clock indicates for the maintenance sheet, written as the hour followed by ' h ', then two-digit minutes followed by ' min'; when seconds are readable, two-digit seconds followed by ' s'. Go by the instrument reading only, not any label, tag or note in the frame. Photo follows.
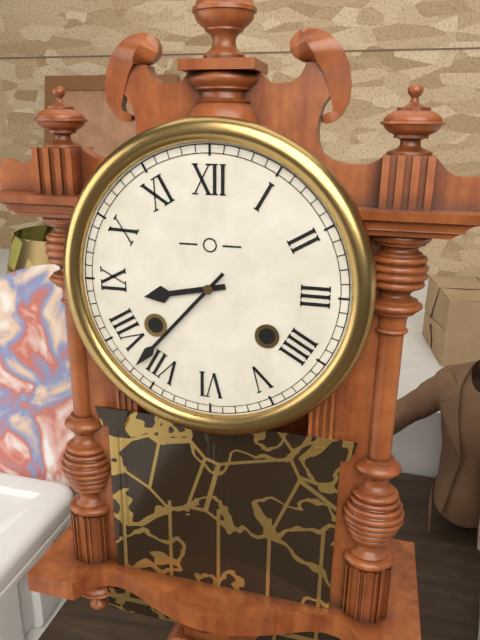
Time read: 8 h 37 min
